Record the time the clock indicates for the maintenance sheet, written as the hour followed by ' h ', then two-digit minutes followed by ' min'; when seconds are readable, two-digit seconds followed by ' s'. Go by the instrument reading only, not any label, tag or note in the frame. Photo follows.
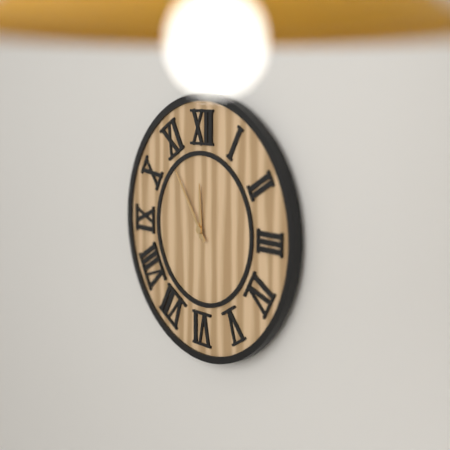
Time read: 11 h 54 min
